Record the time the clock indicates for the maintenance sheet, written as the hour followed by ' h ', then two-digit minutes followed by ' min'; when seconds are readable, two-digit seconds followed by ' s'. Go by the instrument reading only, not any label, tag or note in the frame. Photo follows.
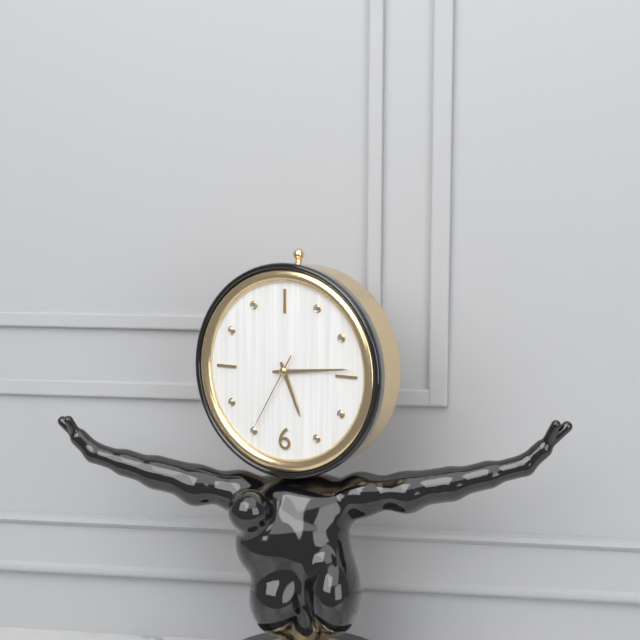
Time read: 5 h 14 min 35 s
